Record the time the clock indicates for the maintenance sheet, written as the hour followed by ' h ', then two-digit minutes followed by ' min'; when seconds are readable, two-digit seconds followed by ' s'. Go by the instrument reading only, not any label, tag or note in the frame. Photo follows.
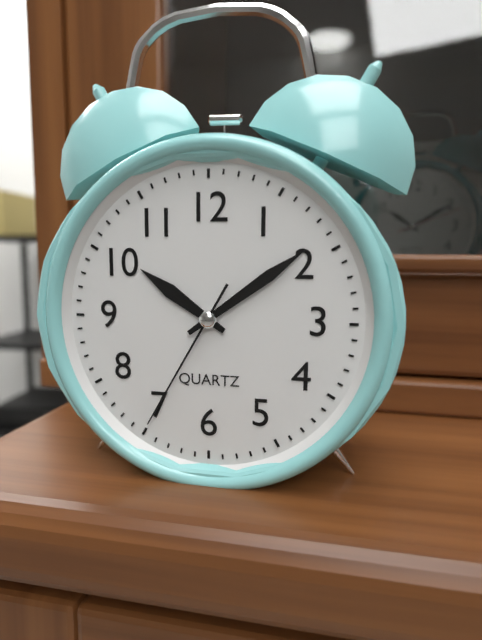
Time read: 10 h 09 min 35 s
